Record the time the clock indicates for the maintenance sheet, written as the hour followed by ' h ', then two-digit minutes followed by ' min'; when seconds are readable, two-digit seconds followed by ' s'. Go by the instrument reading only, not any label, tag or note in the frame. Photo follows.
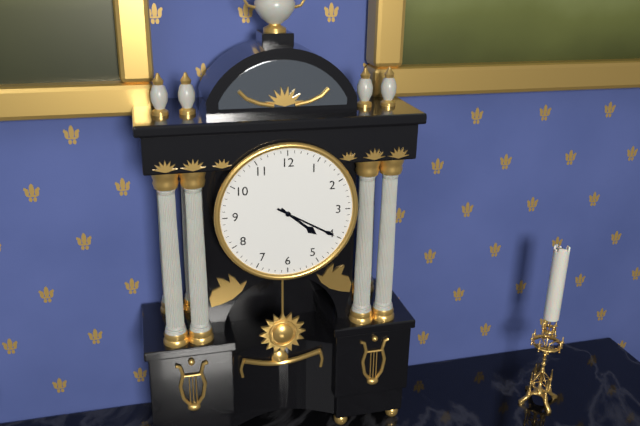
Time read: 4 h 20 min
